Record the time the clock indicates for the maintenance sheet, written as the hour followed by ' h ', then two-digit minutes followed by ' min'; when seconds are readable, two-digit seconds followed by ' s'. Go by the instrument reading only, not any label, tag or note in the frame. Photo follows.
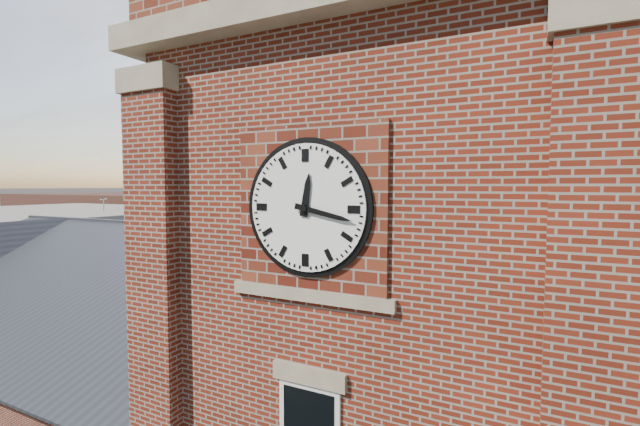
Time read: 12 h 17 min
